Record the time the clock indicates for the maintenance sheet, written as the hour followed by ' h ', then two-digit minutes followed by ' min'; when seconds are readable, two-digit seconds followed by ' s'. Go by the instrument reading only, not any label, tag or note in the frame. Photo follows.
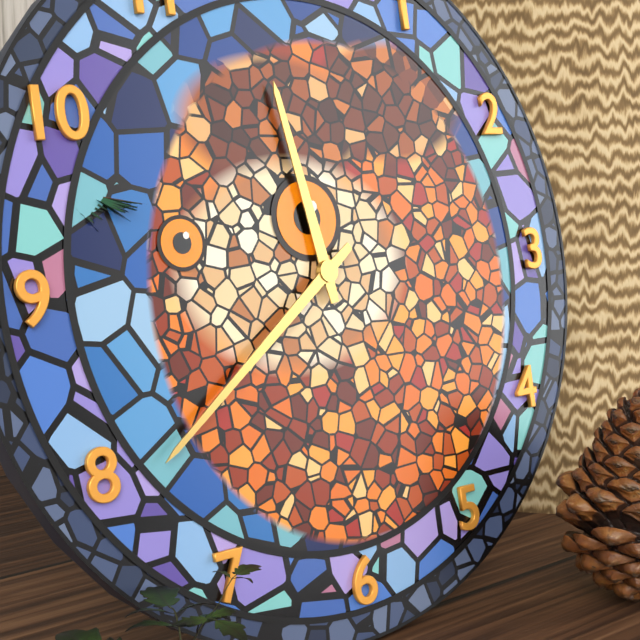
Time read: 11 h 39 min
